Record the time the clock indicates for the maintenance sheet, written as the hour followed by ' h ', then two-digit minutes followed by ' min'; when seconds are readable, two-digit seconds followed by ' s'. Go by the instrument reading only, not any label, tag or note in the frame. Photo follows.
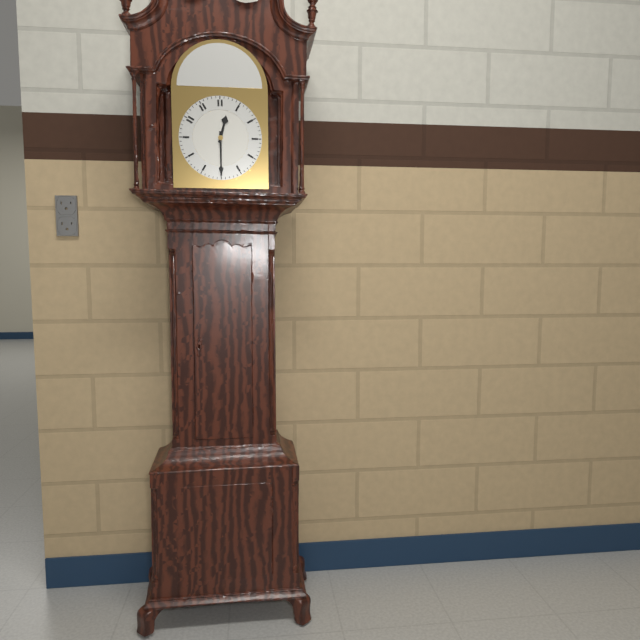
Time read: 12 h 30 min
